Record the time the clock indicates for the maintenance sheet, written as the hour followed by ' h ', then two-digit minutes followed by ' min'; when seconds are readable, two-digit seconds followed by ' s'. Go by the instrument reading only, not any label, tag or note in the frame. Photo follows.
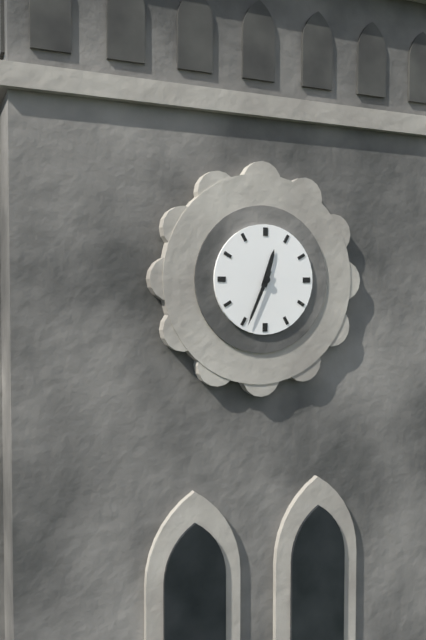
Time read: 12 h 34 min
